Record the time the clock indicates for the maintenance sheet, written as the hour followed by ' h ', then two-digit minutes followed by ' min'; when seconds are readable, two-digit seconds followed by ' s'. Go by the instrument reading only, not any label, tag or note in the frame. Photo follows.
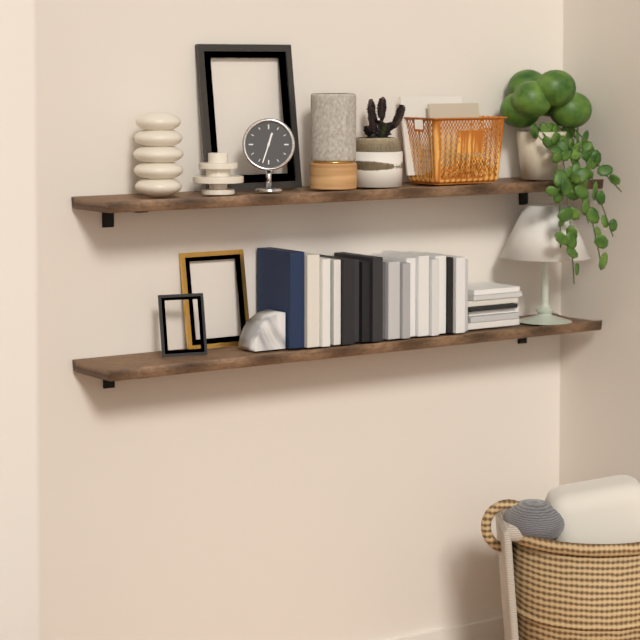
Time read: 12 h 33 min
